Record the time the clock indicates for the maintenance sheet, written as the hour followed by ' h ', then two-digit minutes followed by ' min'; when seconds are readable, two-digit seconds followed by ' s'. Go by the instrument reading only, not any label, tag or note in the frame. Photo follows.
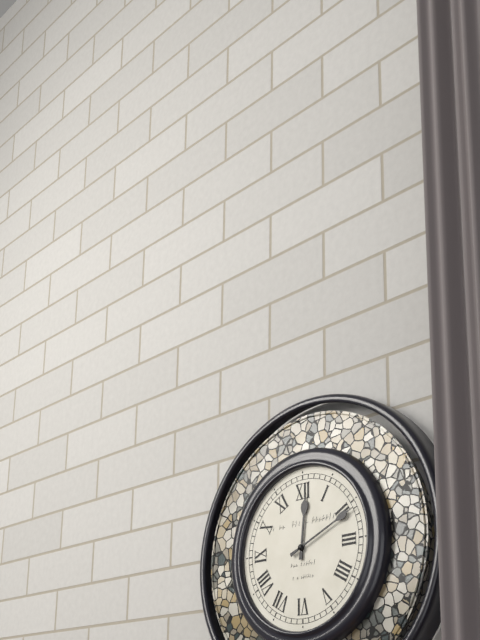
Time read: 12 h 11 min
